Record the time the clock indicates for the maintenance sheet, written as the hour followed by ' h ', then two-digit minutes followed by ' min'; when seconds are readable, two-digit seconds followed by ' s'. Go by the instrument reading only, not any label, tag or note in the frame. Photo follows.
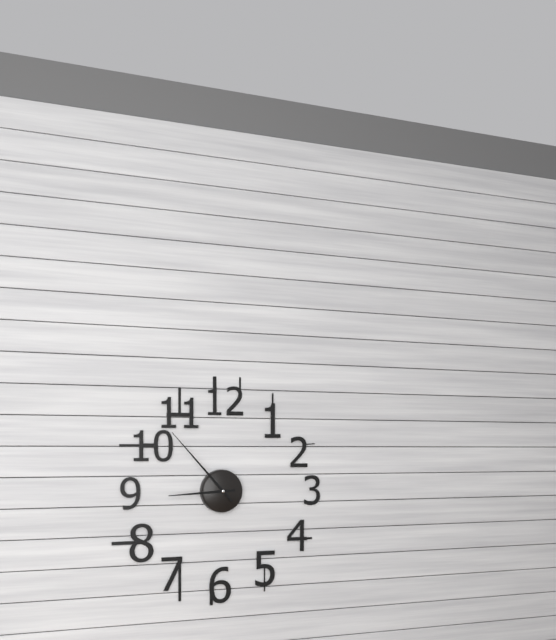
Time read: 8 h 53 min
